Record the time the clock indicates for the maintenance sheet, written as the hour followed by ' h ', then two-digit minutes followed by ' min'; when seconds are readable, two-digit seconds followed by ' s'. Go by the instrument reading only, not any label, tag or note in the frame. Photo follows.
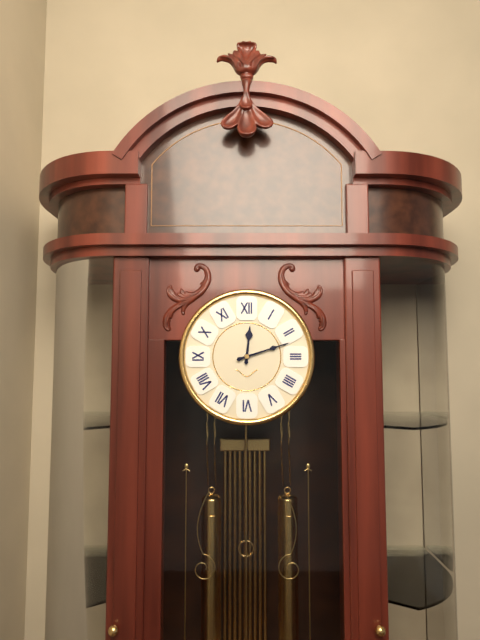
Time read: 12 h 12 min
